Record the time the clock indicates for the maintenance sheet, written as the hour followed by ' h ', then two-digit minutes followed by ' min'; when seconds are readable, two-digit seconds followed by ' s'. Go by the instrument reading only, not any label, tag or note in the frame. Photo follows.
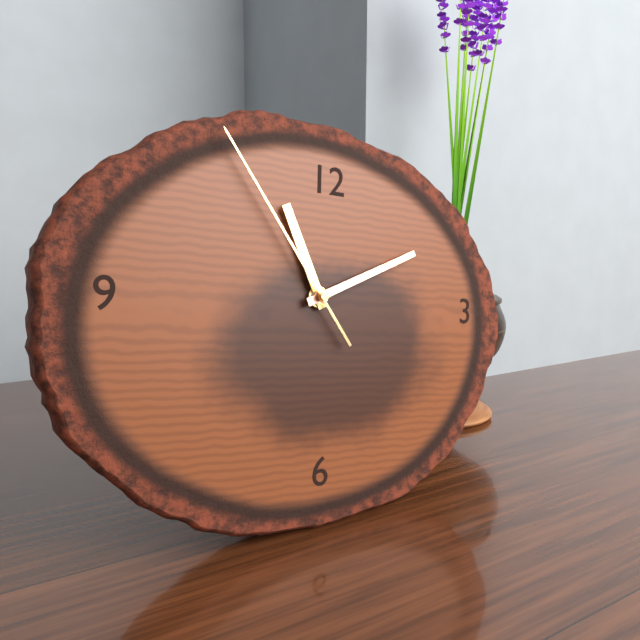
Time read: 11 h 11 min 54 s
